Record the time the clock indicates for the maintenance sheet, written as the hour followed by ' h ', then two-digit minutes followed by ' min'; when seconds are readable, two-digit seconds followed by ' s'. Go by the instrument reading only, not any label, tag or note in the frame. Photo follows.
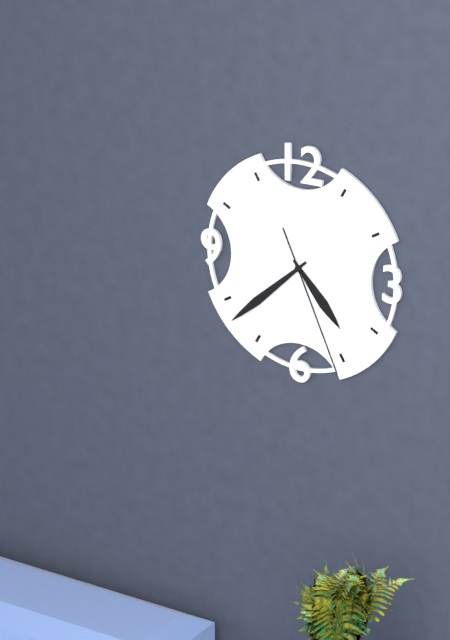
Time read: 4 h 38 min 26 s
